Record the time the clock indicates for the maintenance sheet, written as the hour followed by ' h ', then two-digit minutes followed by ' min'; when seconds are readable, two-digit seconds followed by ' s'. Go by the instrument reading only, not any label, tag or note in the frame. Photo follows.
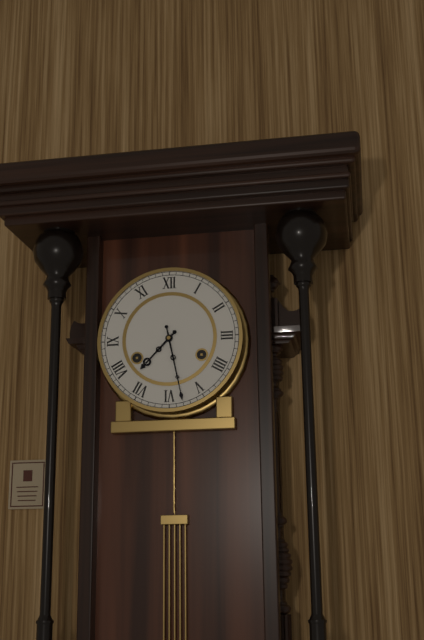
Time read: 7 h 28 min
